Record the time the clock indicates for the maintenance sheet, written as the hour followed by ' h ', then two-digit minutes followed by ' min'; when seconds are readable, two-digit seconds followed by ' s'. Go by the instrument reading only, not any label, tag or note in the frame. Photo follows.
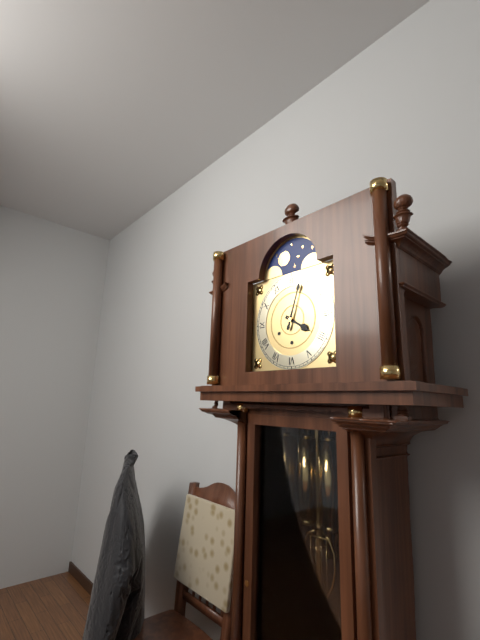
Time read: 4 h 03 min
